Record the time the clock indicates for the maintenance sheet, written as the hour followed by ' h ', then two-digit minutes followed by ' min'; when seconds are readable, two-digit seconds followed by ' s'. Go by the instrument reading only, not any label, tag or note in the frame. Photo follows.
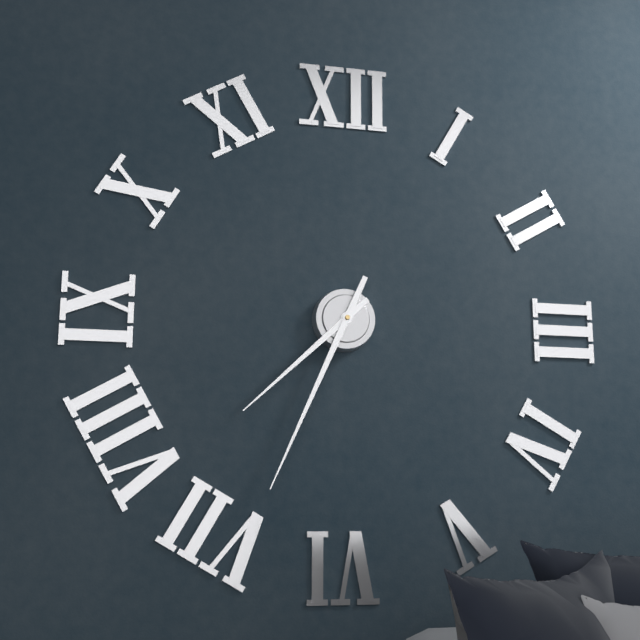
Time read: 7 h 34 min
